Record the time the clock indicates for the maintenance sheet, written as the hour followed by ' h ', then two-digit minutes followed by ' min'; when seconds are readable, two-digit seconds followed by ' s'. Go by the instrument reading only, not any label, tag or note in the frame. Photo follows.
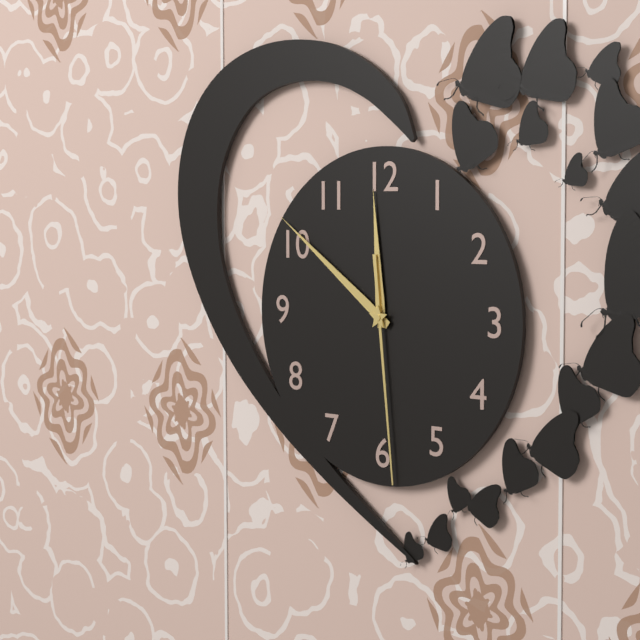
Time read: 11 h 51 min 29 s
